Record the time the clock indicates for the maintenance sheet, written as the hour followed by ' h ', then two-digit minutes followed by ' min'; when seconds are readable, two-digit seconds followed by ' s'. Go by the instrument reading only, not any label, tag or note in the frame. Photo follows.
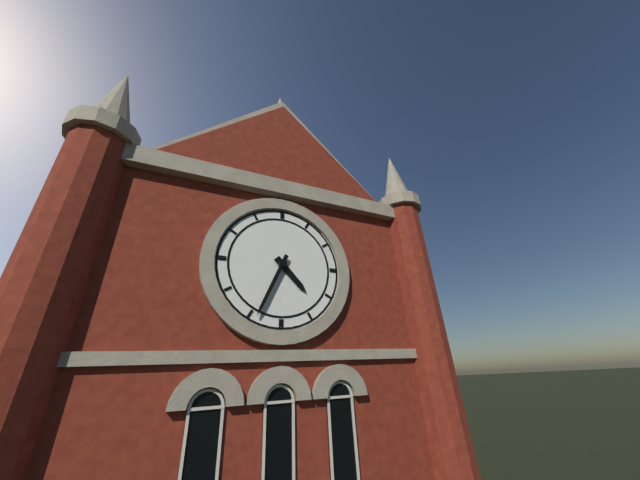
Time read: 4 h 34 min
